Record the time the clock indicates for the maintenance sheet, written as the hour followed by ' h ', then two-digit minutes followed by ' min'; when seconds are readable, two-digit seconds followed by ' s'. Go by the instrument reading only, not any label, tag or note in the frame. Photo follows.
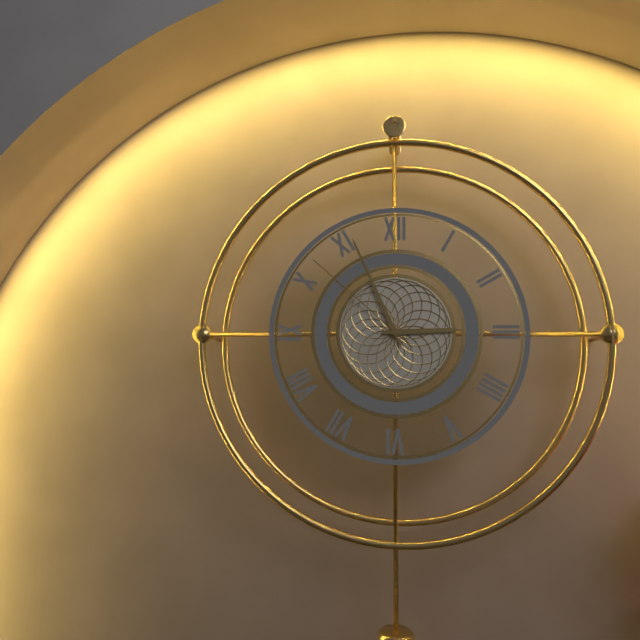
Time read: 2 h 56 min 52 s
